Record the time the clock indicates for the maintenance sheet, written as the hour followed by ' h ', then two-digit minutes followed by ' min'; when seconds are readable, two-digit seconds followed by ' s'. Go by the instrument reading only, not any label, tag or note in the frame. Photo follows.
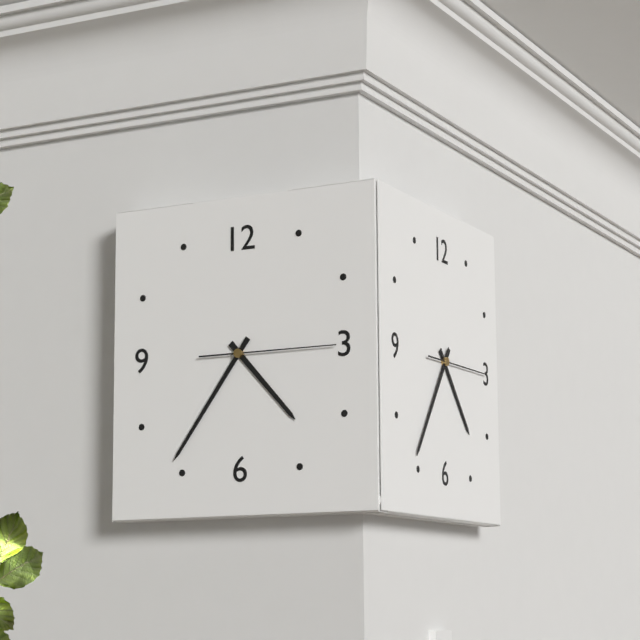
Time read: 4 h 36 min 15 s
